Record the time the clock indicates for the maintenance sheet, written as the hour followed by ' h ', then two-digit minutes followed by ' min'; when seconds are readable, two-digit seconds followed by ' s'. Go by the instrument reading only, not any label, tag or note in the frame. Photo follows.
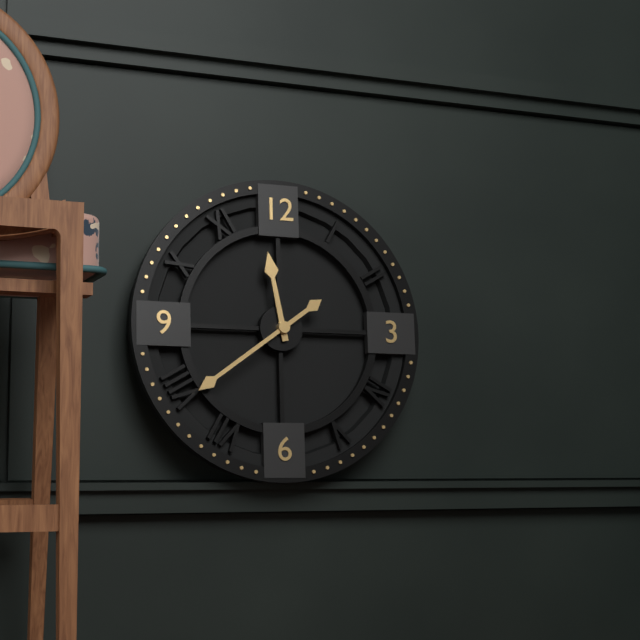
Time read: 11 h 39 min
